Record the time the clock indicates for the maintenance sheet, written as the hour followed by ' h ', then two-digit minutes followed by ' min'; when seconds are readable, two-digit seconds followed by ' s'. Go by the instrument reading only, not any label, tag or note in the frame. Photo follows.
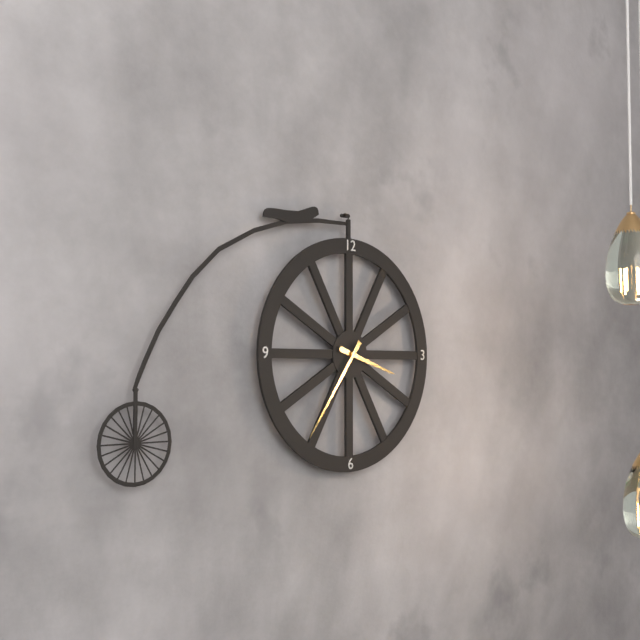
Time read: 3 h 36 min
